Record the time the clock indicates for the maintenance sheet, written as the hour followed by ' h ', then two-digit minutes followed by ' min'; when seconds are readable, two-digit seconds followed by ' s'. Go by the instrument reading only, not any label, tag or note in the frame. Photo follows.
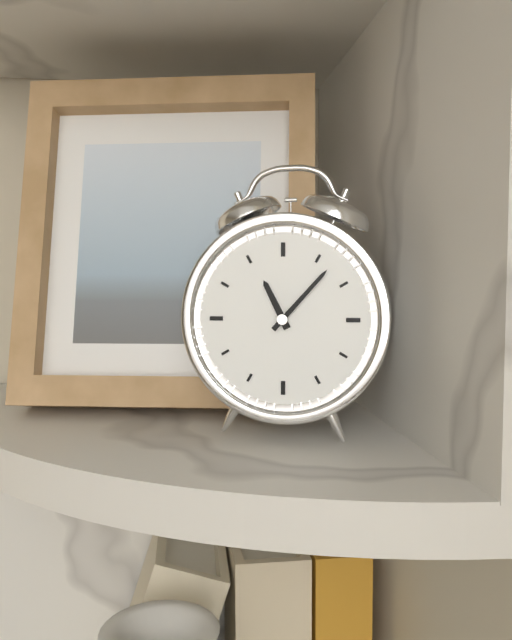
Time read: 11 h 07 min
